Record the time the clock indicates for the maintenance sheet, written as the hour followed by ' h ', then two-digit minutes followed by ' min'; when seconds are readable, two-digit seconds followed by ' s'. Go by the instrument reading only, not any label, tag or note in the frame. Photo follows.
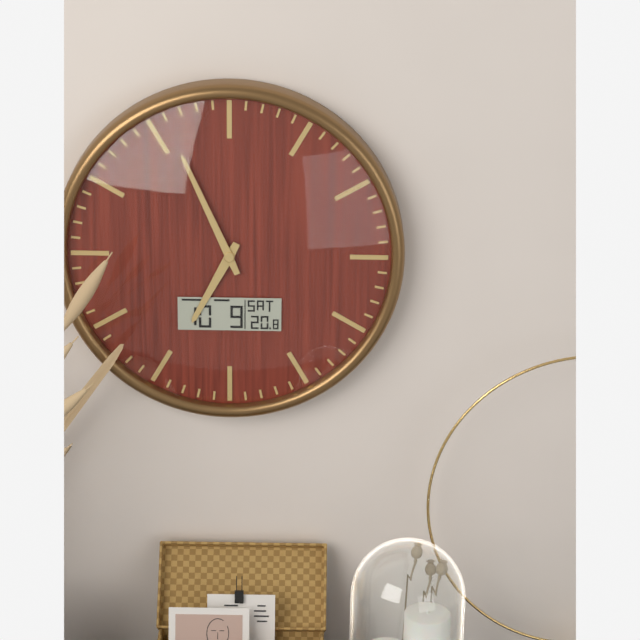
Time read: 6 h 56 min
